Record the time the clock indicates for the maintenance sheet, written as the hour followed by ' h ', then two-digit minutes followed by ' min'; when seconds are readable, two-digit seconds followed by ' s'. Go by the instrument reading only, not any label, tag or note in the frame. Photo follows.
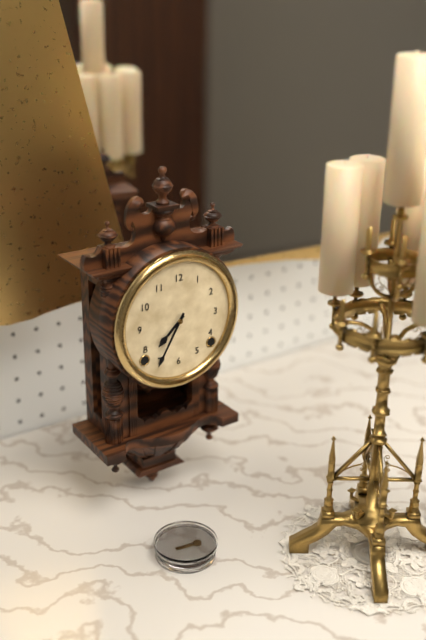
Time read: 7 h 35 min
